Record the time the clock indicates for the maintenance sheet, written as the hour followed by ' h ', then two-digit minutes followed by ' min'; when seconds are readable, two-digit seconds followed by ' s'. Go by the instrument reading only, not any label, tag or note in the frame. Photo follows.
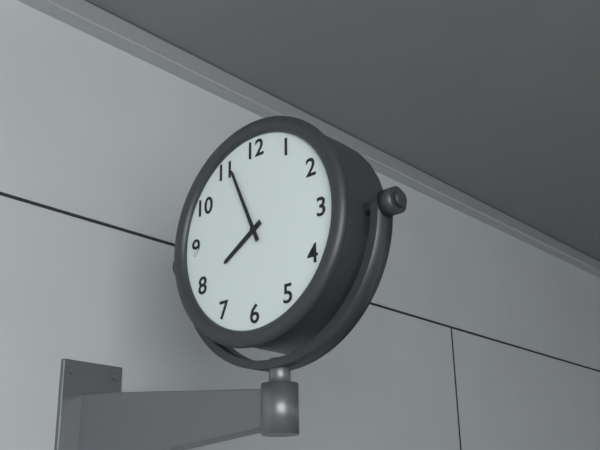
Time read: 7 h 56 min
